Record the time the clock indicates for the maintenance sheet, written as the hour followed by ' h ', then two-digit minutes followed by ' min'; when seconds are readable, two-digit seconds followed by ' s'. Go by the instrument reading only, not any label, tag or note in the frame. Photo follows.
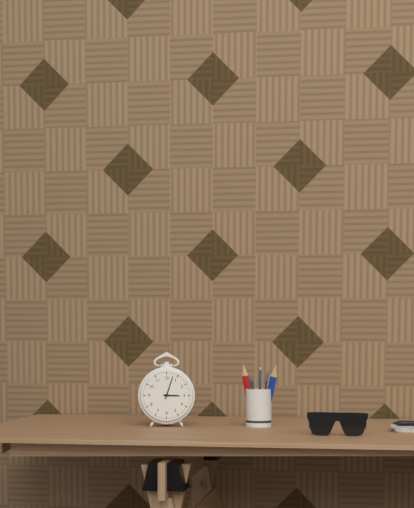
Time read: 3 h 03 min
